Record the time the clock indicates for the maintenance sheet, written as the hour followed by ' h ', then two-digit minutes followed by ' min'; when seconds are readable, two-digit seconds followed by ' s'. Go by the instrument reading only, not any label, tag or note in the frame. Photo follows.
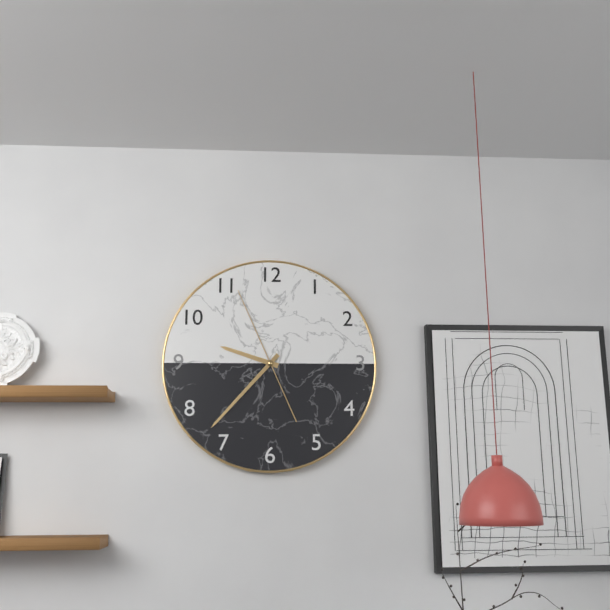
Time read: 9 h 37 min 56 s
